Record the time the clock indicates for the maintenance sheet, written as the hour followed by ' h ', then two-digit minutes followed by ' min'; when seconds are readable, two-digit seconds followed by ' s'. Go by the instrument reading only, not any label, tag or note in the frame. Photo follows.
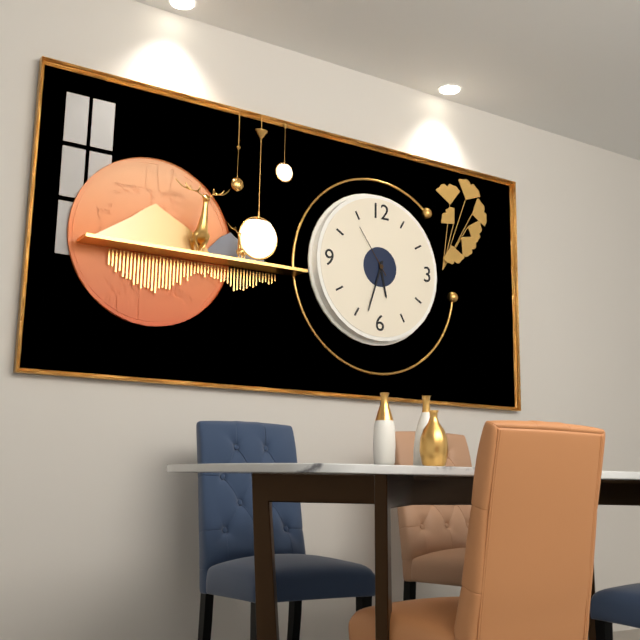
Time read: 5 h 33 min 54 s
